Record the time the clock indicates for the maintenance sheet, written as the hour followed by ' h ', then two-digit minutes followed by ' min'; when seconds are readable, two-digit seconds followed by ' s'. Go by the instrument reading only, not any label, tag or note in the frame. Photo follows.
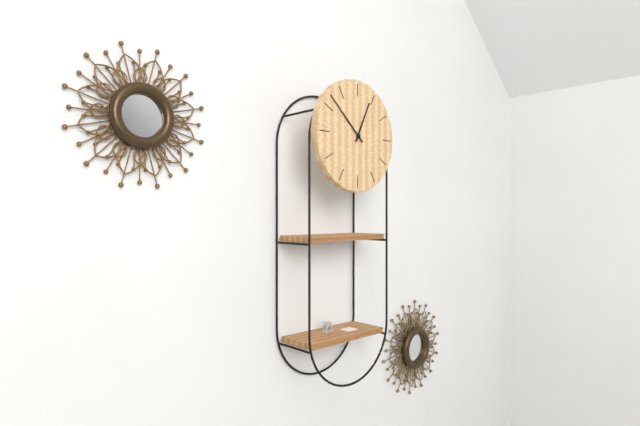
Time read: 12 h 52 min
